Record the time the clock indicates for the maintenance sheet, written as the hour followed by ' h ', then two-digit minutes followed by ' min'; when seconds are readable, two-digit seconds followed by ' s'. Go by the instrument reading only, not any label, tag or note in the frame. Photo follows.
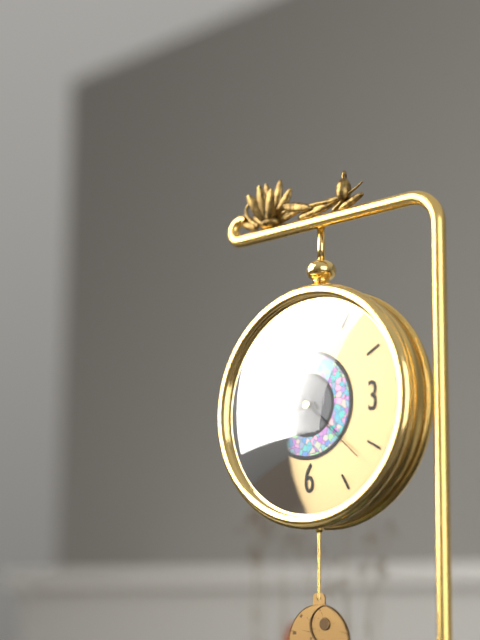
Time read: 8 h 48 min 22 s
